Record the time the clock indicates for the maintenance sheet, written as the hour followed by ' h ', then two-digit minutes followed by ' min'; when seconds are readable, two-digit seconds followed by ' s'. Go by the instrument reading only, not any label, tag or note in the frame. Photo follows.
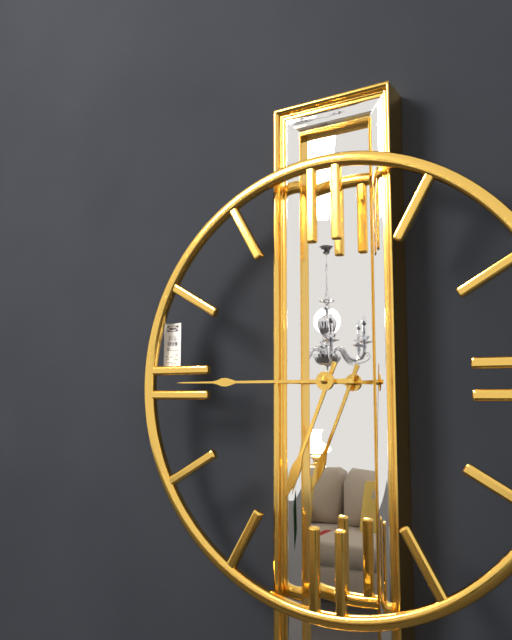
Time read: 6 h 45 min
